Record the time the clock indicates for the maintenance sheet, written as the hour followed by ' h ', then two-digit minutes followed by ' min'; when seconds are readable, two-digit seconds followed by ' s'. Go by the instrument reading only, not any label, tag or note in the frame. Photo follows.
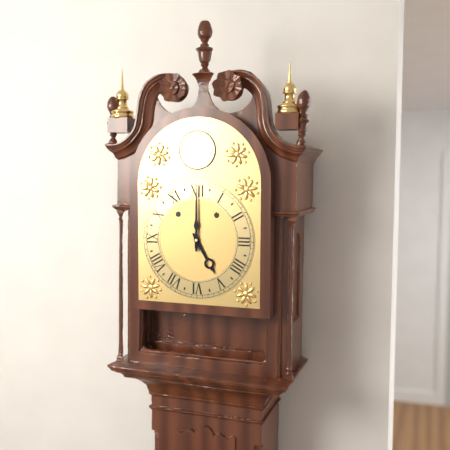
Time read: 5 h 00 min
